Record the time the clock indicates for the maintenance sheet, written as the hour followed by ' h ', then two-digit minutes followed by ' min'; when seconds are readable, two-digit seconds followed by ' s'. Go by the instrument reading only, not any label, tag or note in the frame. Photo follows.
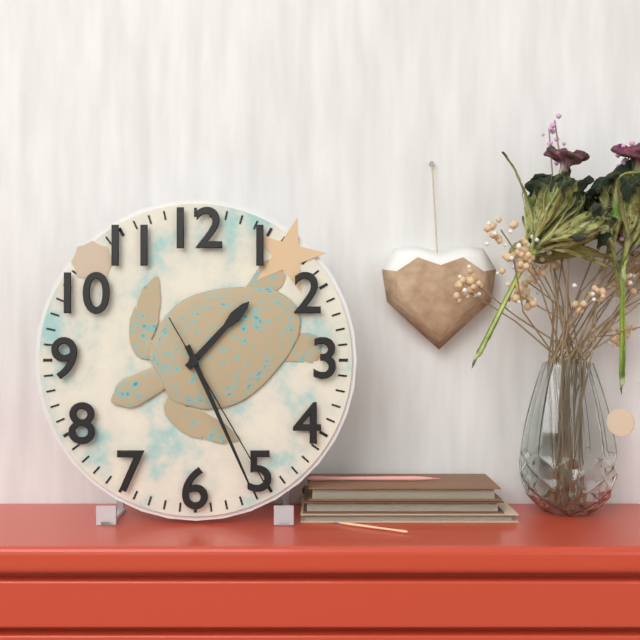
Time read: 1 h 26 min 25 s
